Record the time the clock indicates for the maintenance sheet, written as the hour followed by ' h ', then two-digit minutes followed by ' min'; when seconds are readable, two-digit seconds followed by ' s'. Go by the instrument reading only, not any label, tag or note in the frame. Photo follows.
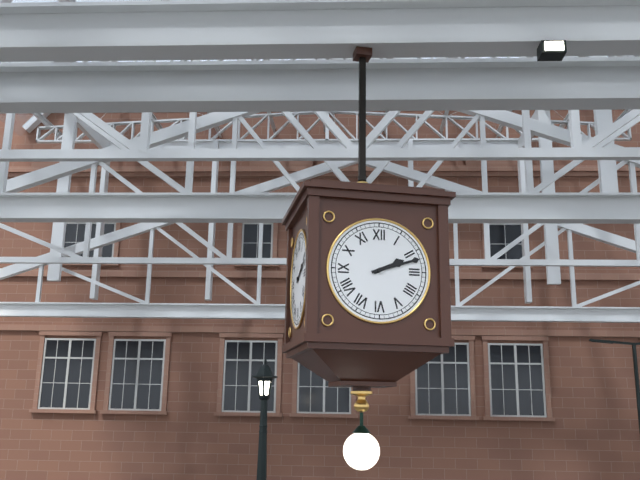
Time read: 2 h 12 min
